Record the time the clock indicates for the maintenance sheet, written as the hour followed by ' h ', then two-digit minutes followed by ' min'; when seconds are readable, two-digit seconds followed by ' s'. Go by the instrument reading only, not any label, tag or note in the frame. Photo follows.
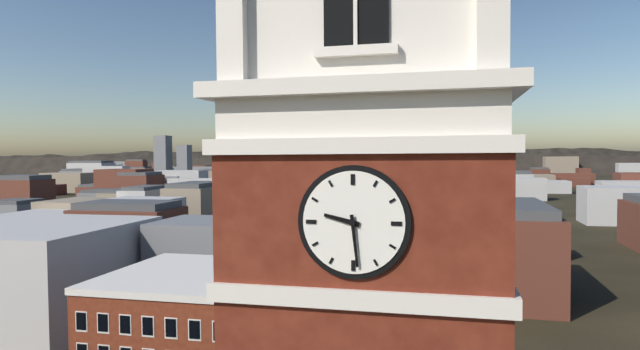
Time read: 9 h 29 min
